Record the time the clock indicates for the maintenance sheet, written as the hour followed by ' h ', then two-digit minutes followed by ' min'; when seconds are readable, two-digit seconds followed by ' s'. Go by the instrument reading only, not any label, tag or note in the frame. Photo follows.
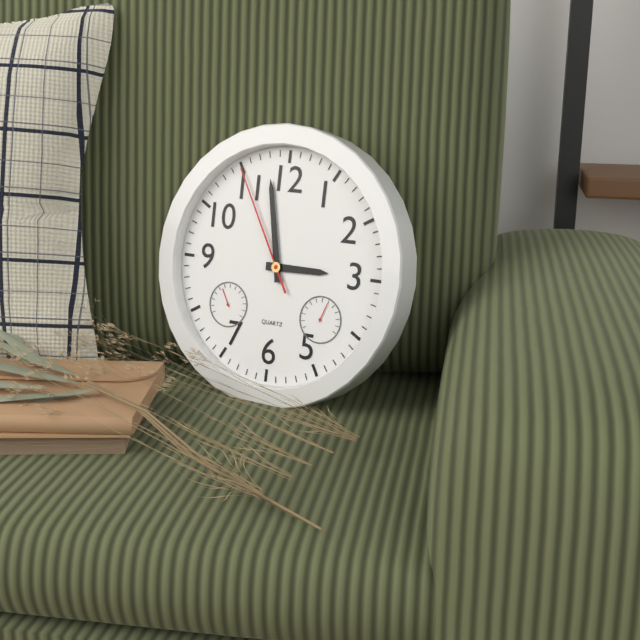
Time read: 2 h 58 min 55 s
